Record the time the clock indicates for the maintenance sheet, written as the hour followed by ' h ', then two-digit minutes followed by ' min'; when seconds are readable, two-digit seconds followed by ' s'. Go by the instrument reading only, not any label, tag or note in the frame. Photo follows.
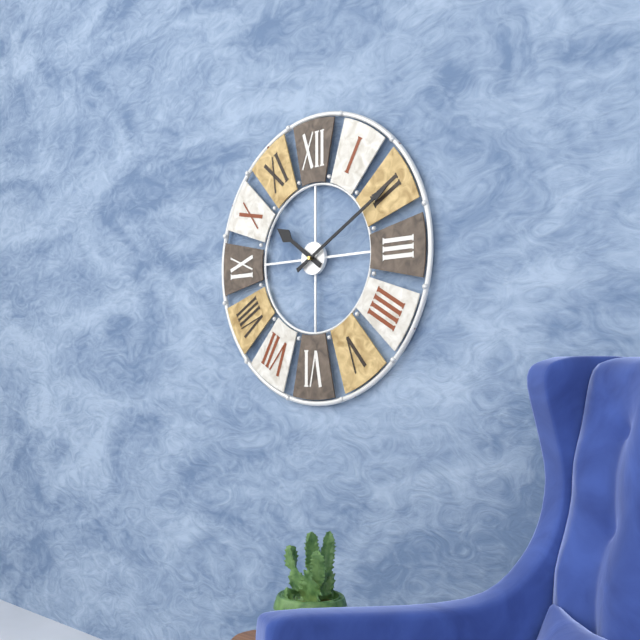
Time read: 10 h 10 min
